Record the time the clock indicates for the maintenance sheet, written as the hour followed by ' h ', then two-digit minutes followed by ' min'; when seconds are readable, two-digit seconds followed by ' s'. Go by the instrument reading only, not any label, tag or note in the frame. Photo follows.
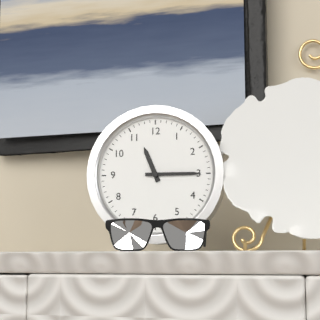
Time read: 11 h 15 min
